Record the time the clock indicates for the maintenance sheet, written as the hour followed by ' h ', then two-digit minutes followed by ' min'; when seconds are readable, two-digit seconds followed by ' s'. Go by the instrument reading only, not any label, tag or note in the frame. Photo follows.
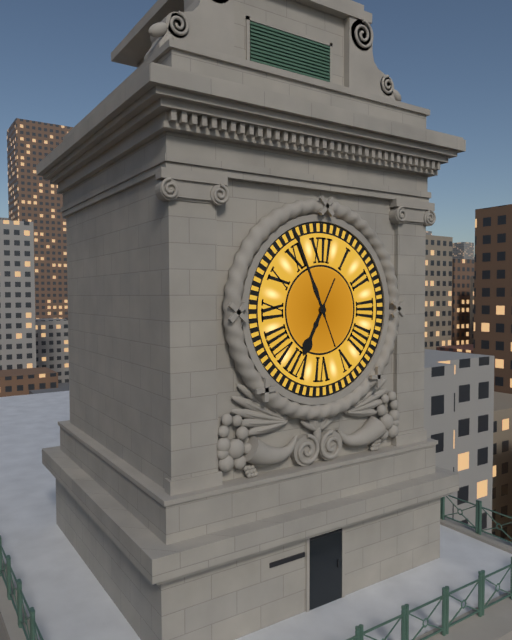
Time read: 6 h 56 min
